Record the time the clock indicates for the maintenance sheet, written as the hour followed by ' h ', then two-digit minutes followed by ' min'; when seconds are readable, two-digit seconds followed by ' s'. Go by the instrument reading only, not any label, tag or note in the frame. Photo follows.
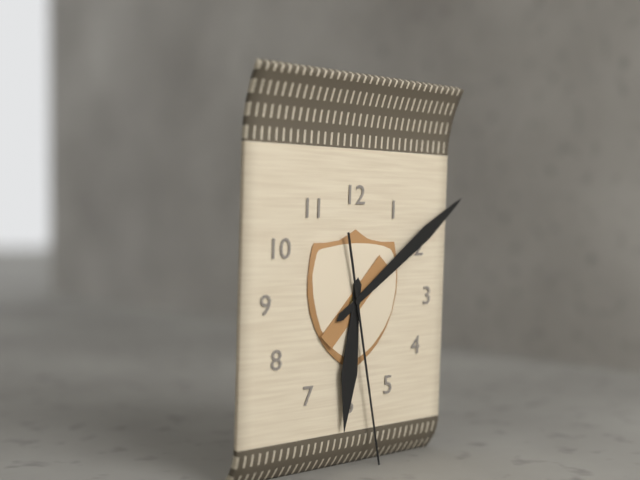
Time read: 6 h 09 min
